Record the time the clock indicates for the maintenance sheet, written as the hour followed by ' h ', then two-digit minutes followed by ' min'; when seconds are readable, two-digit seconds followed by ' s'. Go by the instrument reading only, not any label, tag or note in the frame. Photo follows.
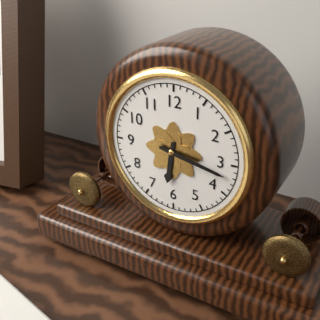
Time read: 6 h 17 min
